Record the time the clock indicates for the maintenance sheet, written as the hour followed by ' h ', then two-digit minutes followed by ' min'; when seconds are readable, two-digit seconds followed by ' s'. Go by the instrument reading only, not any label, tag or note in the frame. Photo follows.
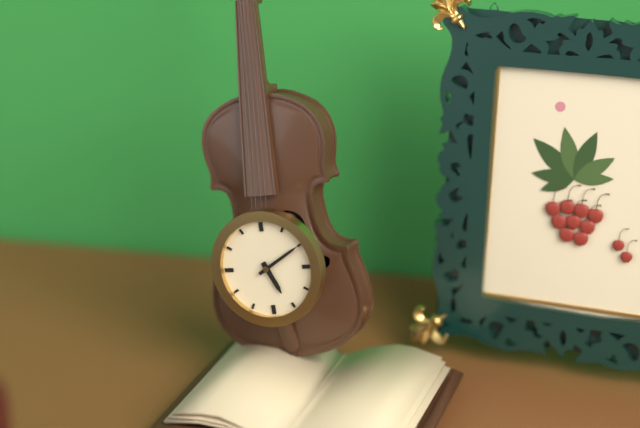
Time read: 5 h 10 min
